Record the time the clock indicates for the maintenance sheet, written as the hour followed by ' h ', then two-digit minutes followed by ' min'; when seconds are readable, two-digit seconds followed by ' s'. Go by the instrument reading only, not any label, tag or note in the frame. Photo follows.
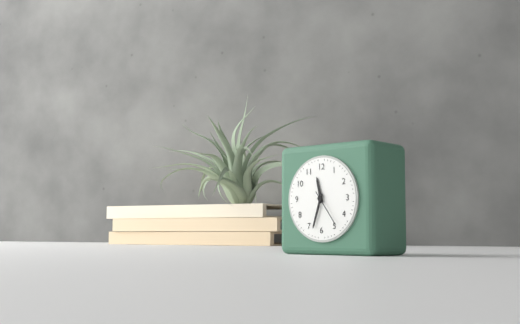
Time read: 11 h 33 min
